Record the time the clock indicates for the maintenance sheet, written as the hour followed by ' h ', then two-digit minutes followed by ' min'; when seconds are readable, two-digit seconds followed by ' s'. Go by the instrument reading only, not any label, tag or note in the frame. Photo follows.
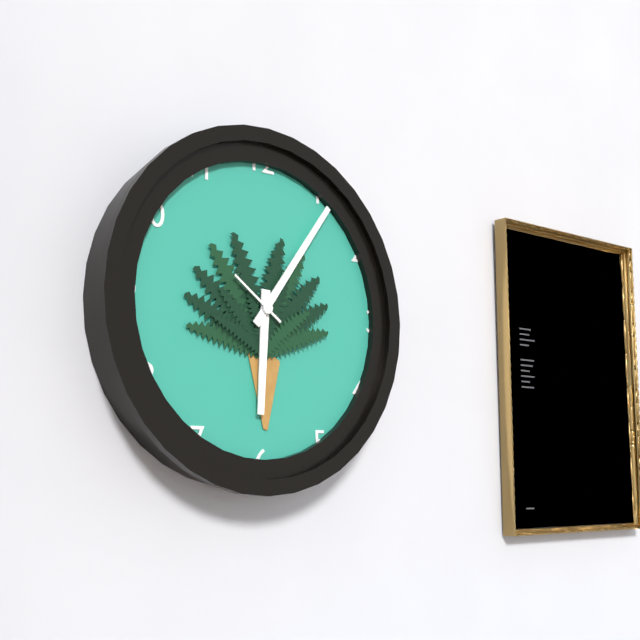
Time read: 6 h 06 min 51 s
